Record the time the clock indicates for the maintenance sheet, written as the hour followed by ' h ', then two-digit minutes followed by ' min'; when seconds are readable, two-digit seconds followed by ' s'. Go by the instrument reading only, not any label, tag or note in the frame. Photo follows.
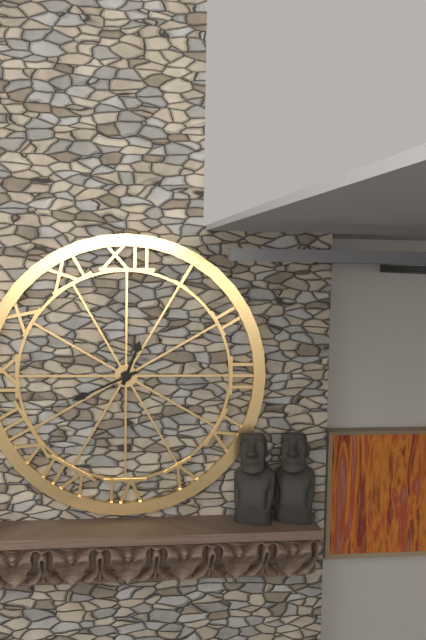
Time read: 12 h 41 min
